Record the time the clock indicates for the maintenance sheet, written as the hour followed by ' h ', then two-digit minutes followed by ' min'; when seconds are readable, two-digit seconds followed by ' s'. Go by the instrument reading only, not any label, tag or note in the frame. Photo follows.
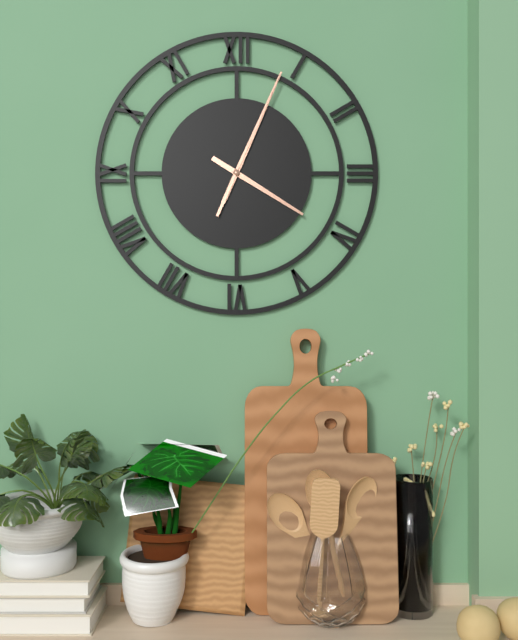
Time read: 4 h 04 min 04 s
